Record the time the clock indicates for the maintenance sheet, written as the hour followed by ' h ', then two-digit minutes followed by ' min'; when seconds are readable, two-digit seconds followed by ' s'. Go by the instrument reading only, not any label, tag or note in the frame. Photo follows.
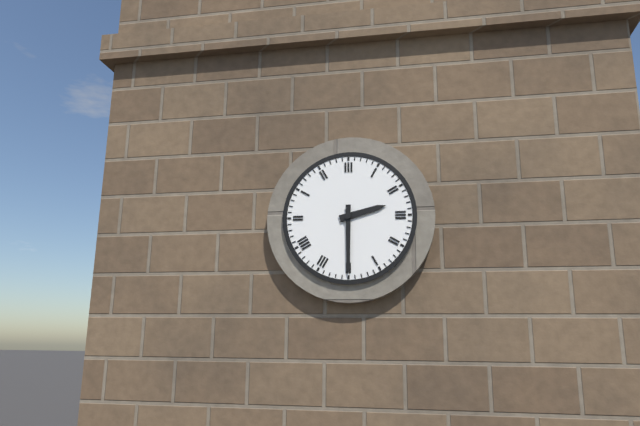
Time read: 2 h 30 min
